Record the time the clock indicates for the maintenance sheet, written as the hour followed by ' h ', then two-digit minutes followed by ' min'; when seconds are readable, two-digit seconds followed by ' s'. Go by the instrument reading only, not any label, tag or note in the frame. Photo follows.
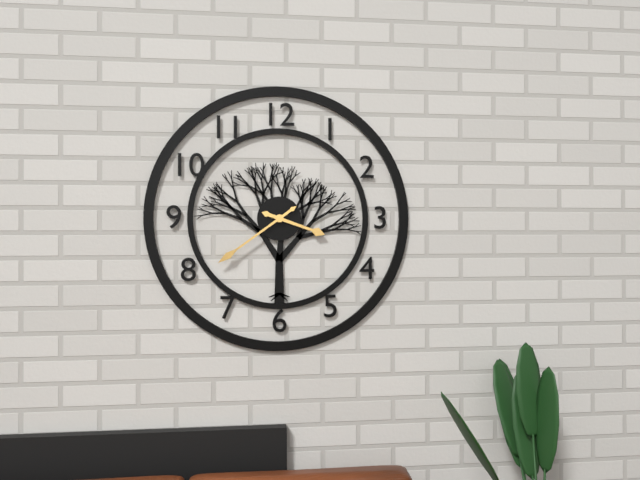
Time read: 3 h 39 min
